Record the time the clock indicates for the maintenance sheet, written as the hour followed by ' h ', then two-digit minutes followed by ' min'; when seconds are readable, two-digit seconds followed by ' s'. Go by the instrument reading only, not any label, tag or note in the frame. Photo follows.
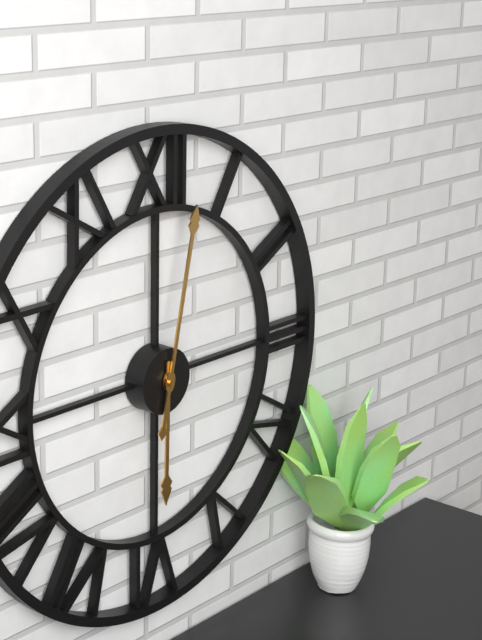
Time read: 6 h 02 min
